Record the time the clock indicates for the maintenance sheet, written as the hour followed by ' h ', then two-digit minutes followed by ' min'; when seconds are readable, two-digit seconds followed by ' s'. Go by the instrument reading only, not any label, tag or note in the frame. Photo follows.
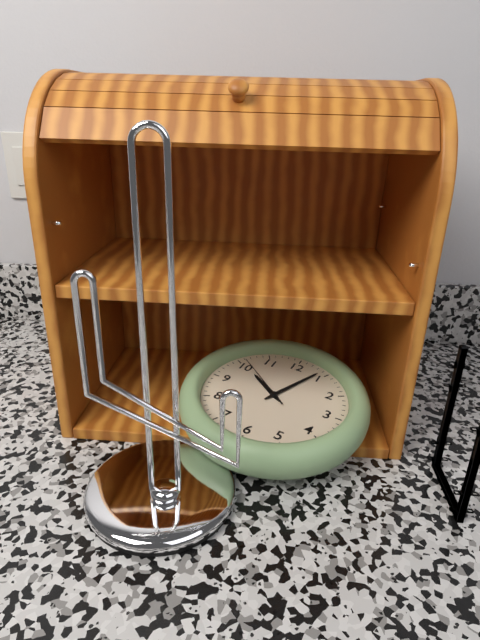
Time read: 10 h 04 min 51 s
